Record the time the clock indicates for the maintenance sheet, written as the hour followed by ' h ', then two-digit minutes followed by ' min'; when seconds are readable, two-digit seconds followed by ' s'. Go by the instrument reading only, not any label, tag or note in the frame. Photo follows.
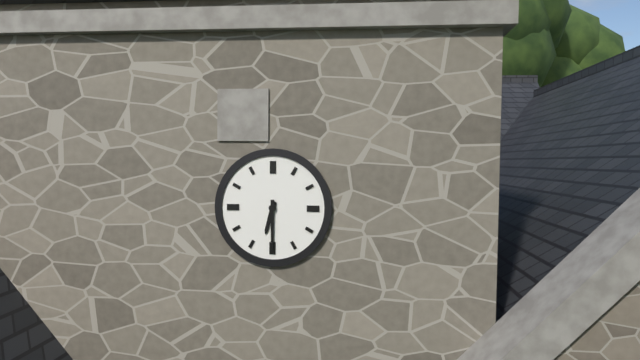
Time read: 6 h 30 min
